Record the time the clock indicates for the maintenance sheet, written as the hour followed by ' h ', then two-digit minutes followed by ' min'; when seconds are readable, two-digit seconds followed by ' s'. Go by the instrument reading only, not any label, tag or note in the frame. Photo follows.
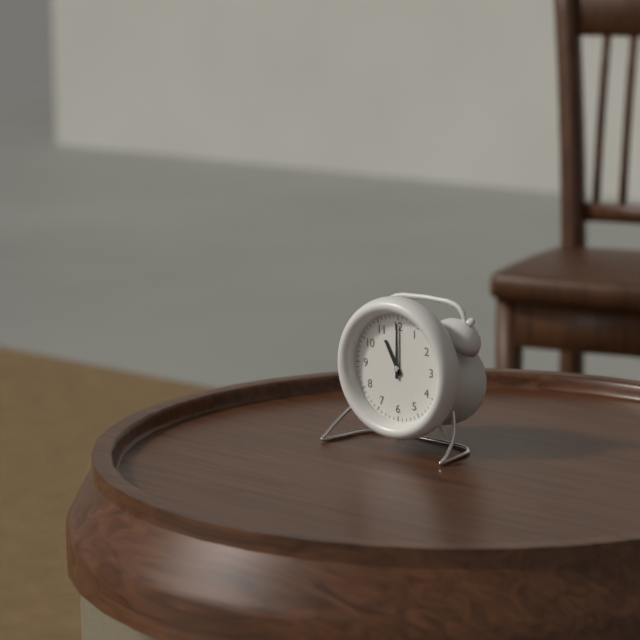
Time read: 11 h 00 min
